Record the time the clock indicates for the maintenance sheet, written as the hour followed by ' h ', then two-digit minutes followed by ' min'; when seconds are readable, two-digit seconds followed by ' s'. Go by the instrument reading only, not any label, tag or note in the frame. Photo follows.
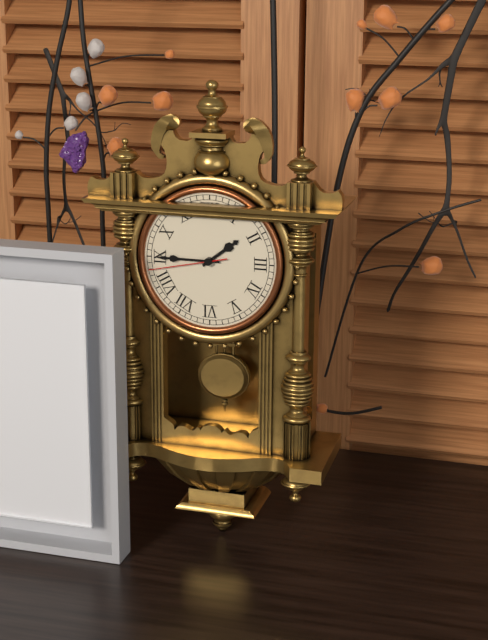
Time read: 1 h 45 min 43 s
